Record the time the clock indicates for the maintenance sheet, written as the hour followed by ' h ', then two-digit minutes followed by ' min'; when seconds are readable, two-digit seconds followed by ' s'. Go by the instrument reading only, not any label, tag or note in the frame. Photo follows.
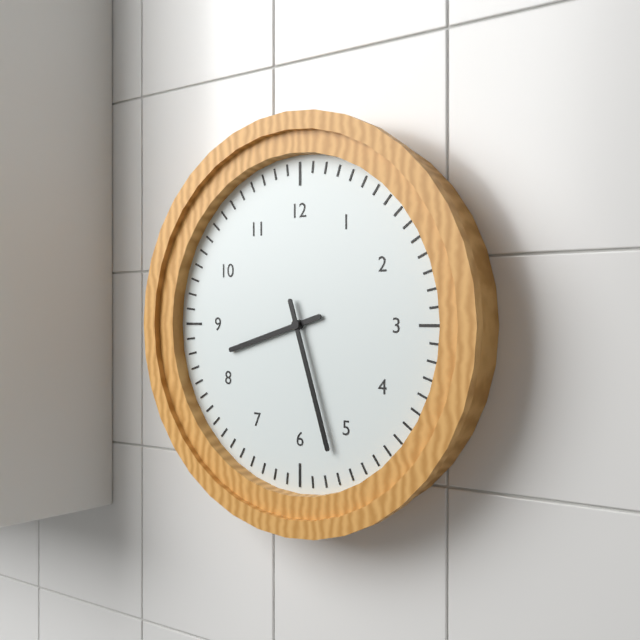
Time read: 8 h 27 min
